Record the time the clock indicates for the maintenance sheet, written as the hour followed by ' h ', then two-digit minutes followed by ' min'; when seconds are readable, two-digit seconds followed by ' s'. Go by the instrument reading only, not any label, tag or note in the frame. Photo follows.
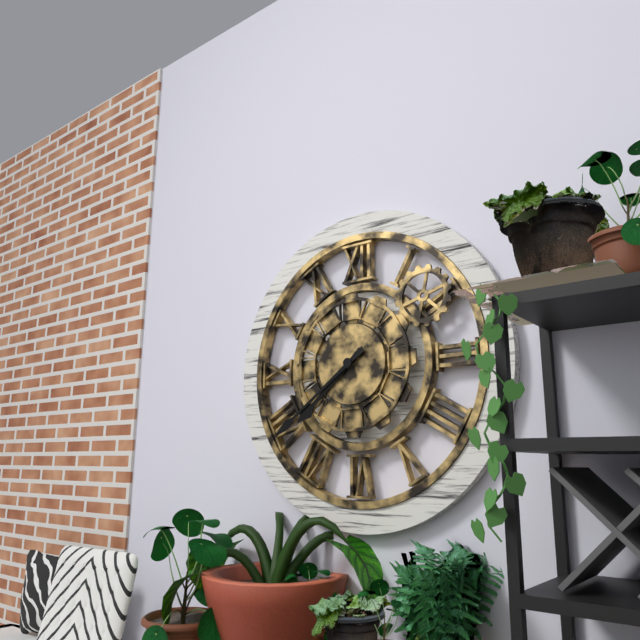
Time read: 7 h 39 min
